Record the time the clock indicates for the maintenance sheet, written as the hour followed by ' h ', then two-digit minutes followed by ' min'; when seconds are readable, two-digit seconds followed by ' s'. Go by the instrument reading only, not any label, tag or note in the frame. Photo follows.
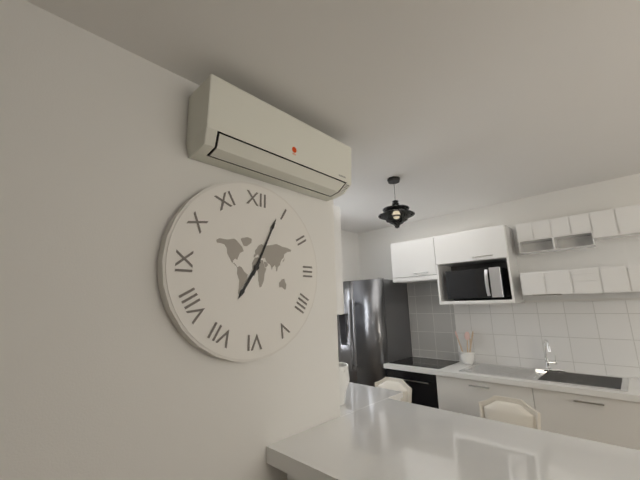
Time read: 7 h 04 min
